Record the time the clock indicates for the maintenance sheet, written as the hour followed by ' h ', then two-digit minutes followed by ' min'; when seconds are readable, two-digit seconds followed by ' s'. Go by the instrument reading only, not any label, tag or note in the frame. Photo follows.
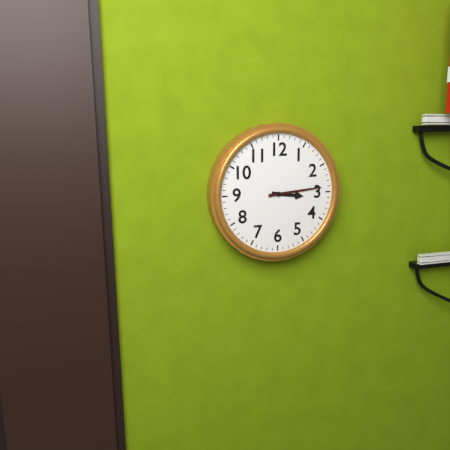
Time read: 3 h 14 min
